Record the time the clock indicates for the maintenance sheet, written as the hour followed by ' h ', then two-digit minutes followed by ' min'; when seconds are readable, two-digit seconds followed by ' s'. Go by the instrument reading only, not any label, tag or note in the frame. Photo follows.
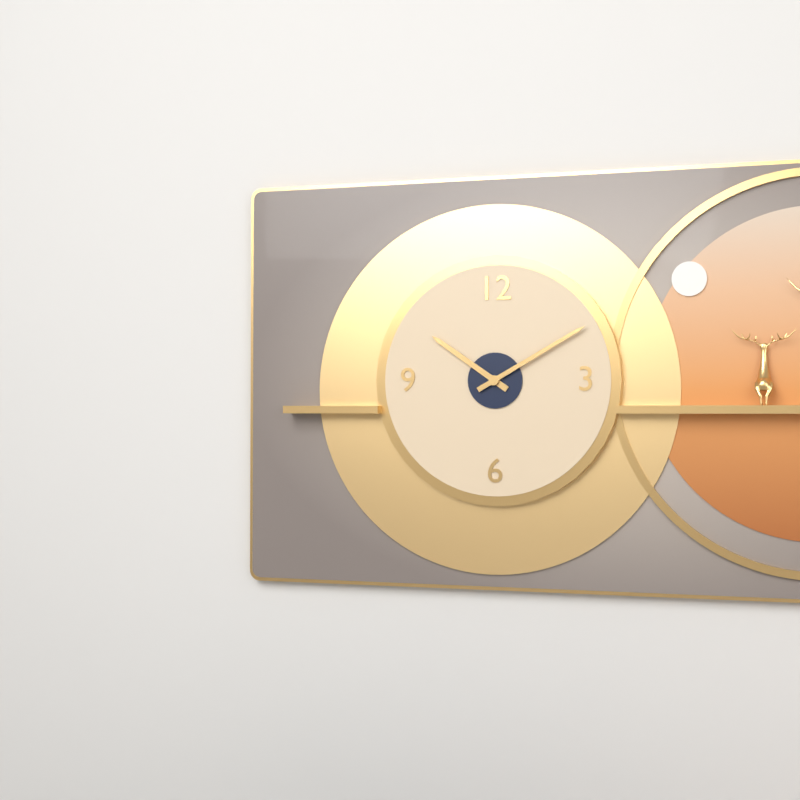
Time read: 10 h 10 min
